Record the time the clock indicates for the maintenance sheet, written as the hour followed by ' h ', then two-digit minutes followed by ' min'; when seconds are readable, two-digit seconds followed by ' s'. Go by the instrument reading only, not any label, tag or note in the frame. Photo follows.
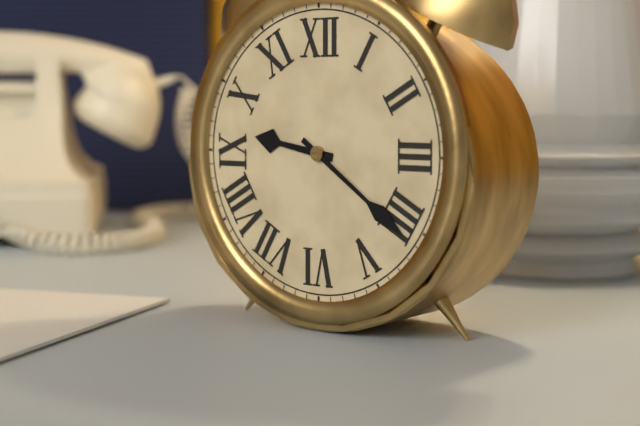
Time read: 9 h 21 min
